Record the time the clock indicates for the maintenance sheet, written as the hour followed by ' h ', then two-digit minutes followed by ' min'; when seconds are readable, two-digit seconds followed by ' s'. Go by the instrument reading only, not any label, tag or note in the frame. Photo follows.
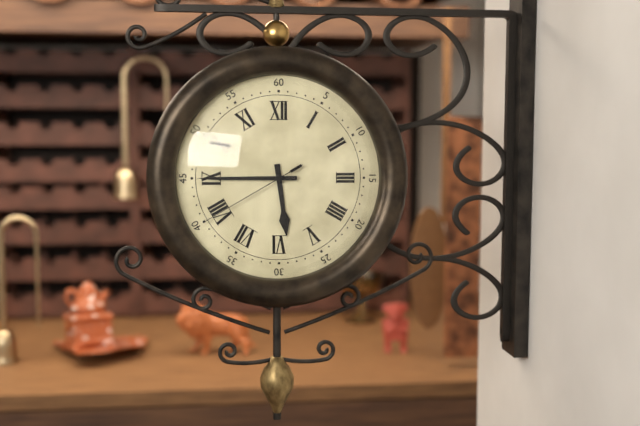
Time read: 5 h 45 min 40 s
